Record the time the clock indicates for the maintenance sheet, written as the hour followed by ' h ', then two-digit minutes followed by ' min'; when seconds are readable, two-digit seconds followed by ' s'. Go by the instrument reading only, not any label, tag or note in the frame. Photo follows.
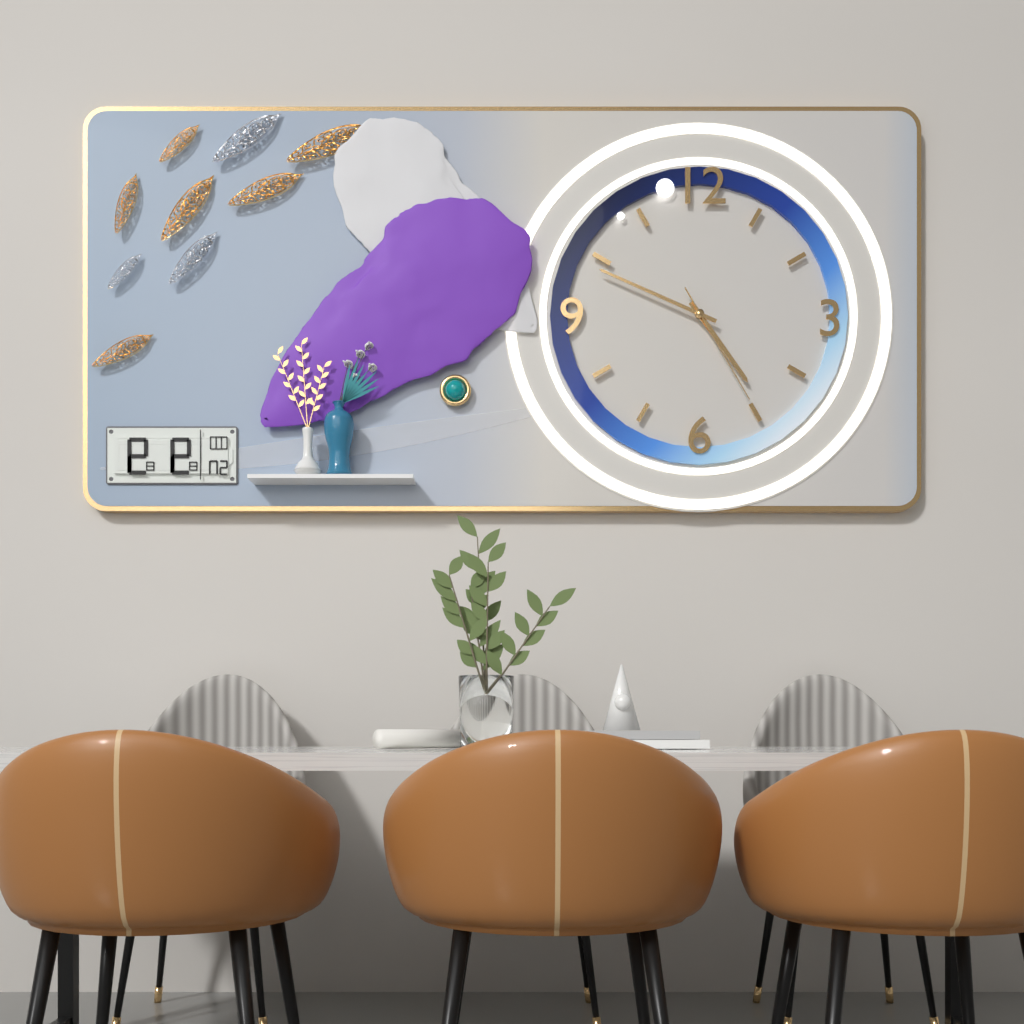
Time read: 4 h 49 min 25 s
